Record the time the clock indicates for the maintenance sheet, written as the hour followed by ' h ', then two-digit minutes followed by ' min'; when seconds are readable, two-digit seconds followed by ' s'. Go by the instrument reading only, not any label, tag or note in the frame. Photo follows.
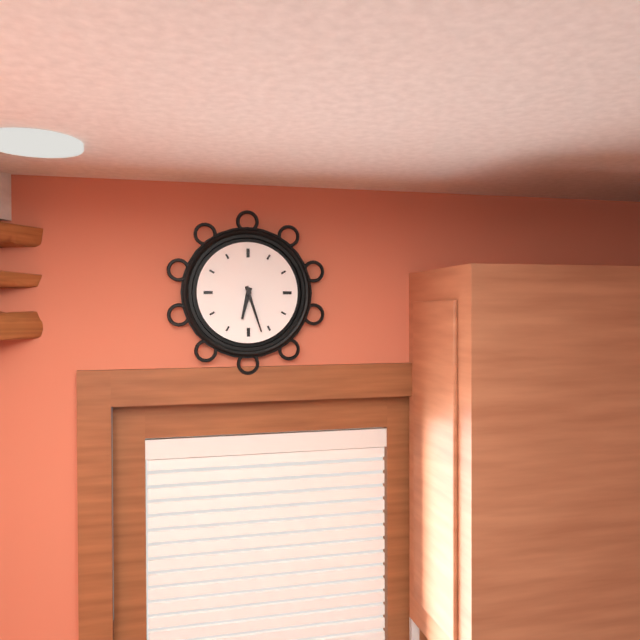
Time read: 6 h 27 min
